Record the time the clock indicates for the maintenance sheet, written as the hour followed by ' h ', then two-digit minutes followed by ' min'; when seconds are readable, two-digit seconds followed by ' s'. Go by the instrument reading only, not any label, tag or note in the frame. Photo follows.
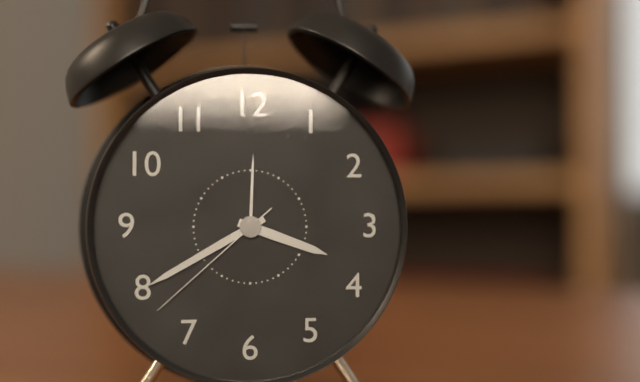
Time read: 3 h 40 min 38 s
